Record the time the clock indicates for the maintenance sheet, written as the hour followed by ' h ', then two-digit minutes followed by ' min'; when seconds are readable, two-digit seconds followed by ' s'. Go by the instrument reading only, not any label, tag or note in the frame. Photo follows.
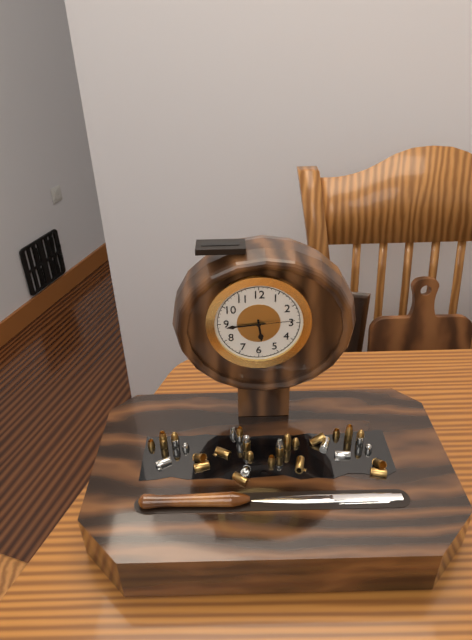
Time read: 5 h 44 min
